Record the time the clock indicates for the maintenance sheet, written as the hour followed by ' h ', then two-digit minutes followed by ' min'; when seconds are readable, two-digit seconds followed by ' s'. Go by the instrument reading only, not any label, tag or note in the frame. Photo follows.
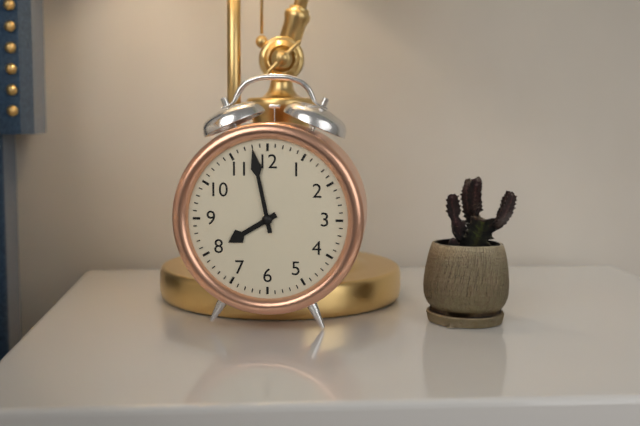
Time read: 7 h 58 min
